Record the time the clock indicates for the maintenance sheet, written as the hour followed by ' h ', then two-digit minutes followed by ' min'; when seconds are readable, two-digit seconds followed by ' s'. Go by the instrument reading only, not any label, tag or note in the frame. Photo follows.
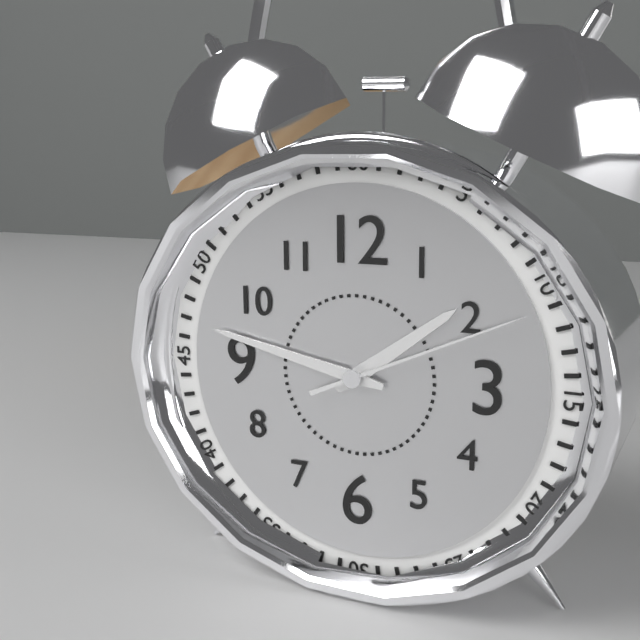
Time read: 1 h 47 min 11 s
